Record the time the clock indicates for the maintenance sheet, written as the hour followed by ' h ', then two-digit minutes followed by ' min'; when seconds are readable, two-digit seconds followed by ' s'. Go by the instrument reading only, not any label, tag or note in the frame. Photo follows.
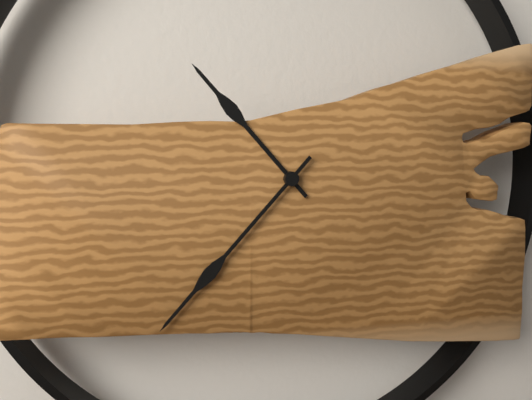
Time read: 10 h 37 min
